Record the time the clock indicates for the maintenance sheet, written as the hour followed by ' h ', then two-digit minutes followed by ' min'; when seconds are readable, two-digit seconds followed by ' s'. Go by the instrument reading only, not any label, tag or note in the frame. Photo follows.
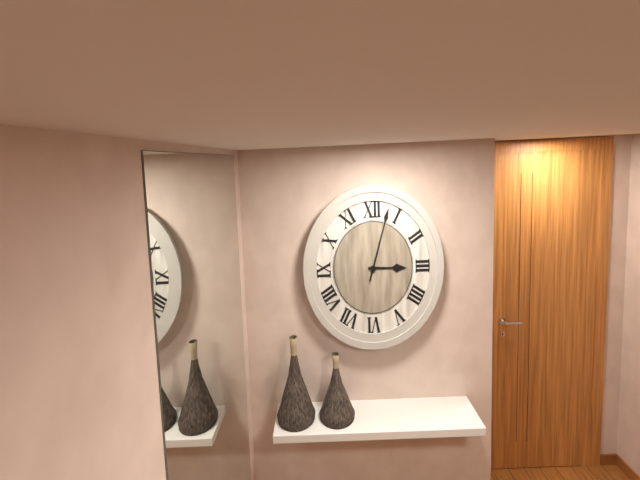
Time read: 3 h 03 min
